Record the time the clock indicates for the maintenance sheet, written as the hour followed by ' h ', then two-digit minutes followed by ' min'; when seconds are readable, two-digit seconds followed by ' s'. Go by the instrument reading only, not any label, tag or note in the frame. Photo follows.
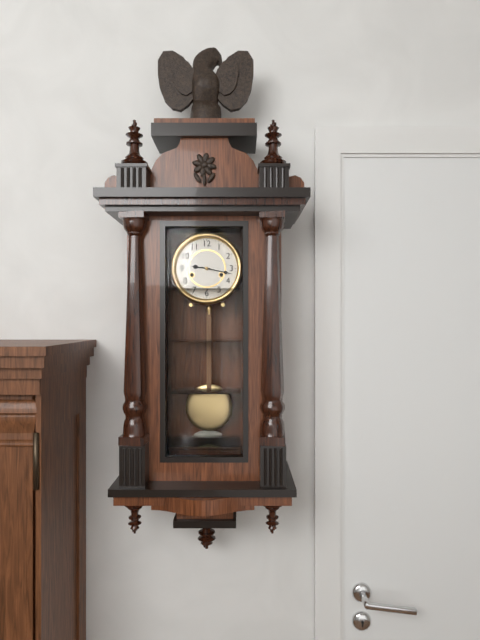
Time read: 9 h 17 min
